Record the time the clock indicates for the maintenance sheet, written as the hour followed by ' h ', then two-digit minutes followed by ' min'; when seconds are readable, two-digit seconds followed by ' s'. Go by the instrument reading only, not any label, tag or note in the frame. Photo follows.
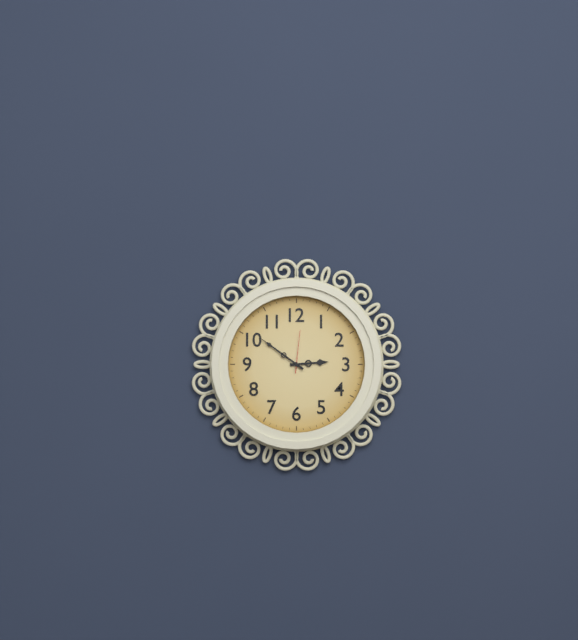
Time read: 2 h 51 min
